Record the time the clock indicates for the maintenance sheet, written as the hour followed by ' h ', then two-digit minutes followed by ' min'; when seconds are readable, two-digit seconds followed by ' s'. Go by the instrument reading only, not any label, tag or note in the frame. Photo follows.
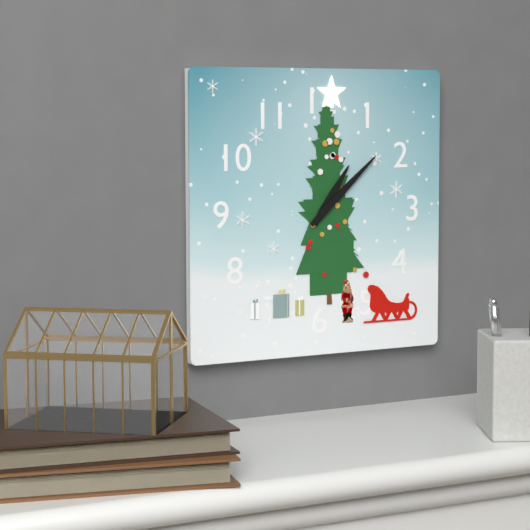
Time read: 1 h 08 min
